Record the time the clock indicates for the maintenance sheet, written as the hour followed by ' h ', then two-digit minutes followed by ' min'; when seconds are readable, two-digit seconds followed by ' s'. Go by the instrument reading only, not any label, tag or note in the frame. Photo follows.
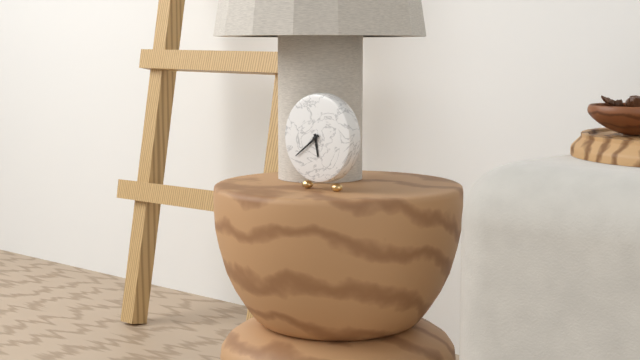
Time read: 5 h 39 min
